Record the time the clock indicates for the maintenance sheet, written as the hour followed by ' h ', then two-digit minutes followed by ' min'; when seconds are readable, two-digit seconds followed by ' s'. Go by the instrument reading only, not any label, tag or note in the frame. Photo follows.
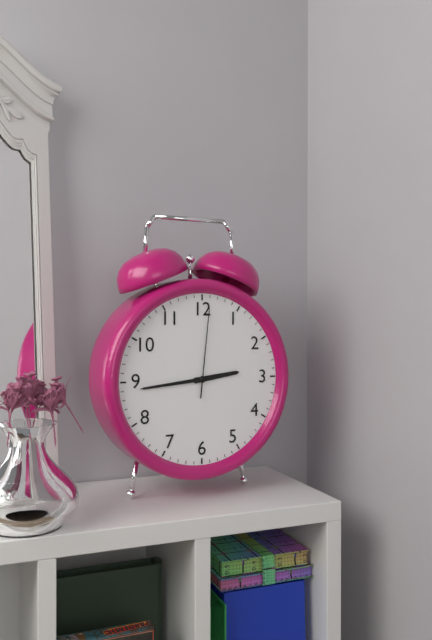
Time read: 2 h 44 min 01 s
